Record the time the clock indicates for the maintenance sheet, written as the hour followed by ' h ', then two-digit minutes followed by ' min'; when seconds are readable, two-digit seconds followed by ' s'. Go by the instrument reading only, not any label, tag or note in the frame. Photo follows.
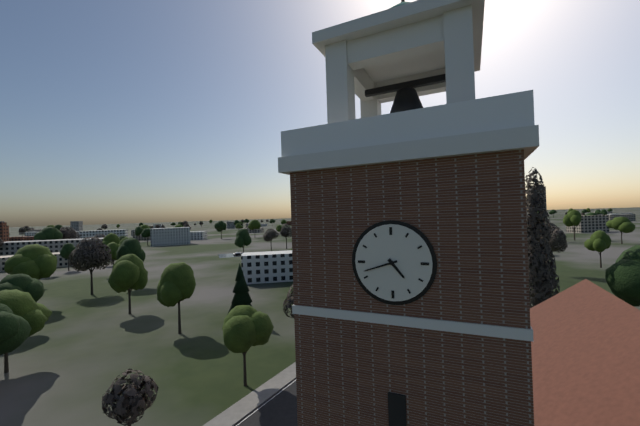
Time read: 4 h 42 min
